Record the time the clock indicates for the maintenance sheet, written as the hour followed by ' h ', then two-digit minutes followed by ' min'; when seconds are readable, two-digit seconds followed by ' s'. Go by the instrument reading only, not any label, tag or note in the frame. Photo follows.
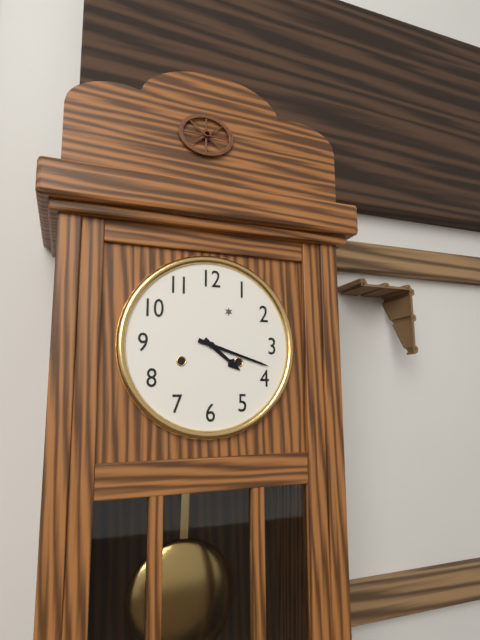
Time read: 4 h 18 min
